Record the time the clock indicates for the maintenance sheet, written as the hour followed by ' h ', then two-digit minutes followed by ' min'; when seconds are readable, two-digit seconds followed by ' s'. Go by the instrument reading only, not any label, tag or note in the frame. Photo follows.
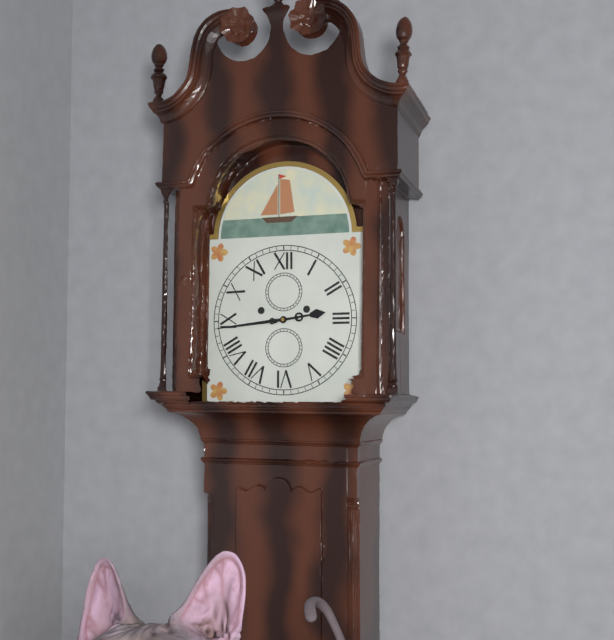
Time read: 2 h 44 min
